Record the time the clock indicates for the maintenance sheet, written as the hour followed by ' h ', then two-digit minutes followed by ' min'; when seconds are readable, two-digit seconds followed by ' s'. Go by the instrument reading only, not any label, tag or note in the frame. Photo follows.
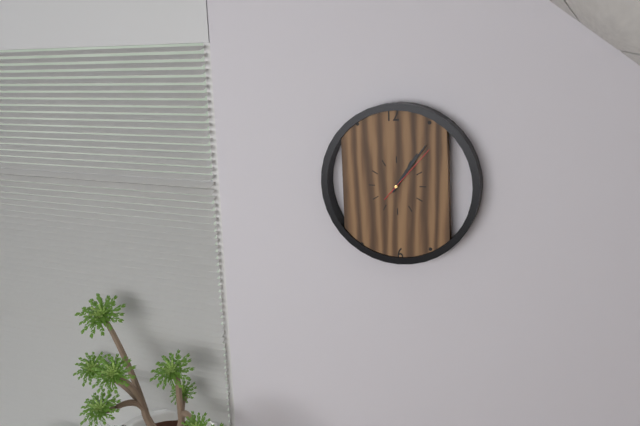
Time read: 1 h 06 min 07 s
